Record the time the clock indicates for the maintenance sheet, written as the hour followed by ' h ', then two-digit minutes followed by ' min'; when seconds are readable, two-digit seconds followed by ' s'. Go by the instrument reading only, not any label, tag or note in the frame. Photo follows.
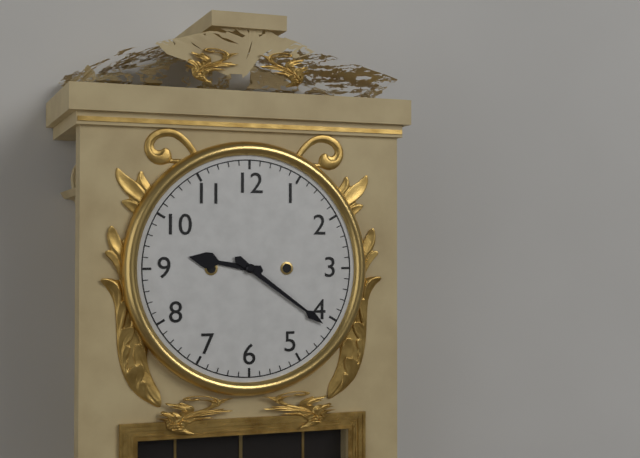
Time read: 9 h 21 min
